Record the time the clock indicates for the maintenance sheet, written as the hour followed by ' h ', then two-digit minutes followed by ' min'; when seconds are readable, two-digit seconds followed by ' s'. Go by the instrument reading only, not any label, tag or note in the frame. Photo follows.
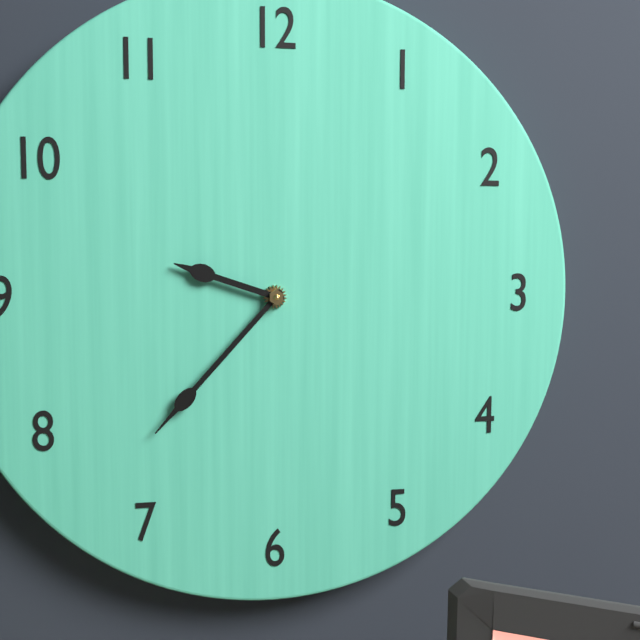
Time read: 9 h 37 min
